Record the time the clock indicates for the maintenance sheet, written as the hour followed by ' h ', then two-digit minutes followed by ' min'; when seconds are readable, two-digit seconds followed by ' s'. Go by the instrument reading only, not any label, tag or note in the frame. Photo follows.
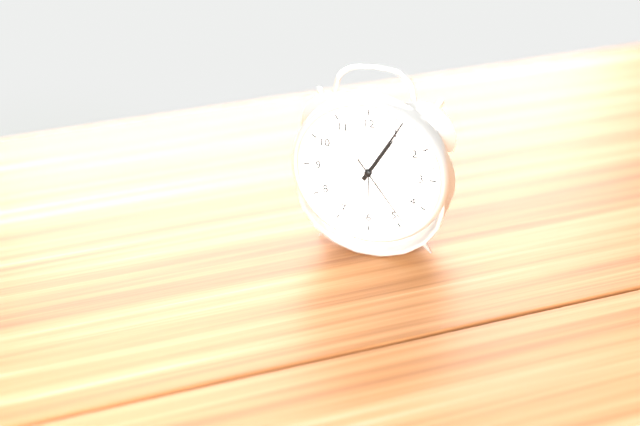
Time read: 1 h 05 min 24 s
